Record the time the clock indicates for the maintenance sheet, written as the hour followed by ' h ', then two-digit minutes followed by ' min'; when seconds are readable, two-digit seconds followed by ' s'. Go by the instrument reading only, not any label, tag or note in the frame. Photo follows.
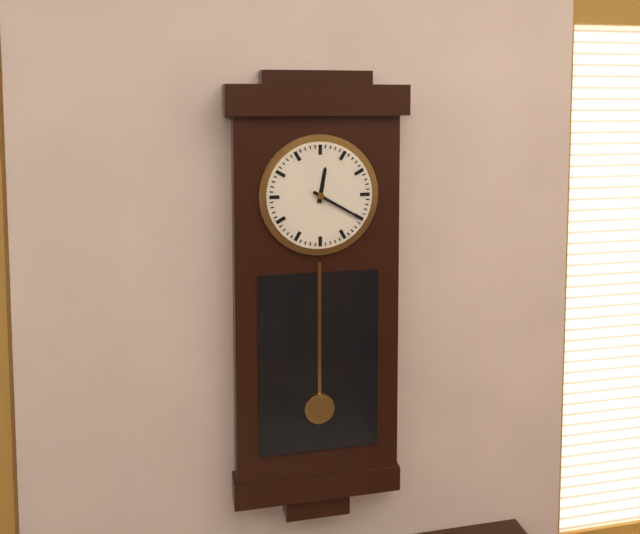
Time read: 12 h 20 min
